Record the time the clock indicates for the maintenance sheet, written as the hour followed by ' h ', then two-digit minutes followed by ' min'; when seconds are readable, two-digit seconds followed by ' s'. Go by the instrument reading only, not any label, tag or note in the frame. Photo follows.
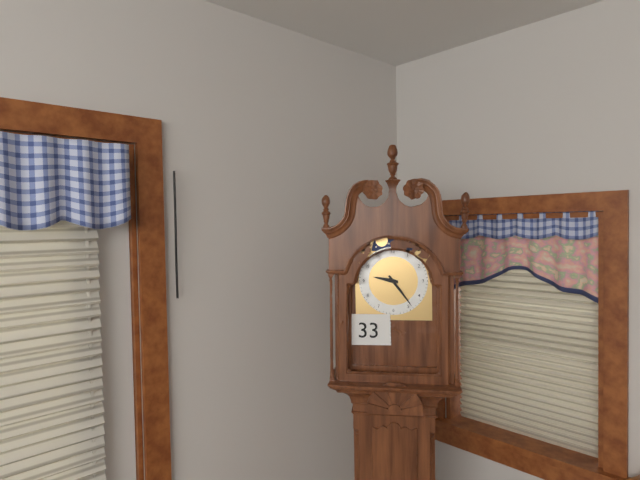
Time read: 9 h 24 min
